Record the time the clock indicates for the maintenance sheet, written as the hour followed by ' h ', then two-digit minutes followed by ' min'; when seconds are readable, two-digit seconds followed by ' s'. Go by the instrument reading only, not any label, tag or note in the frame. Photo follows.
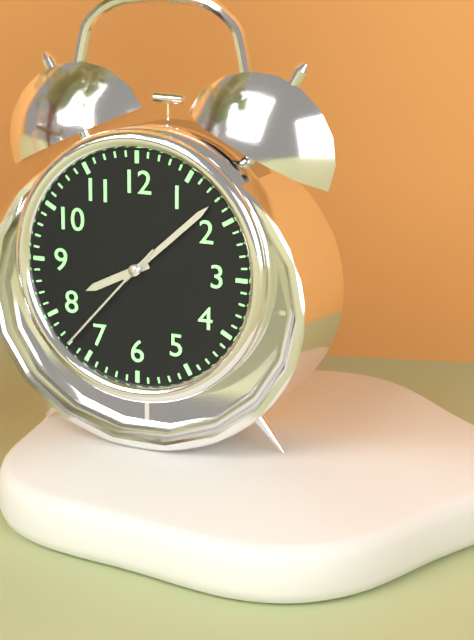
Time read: 8 h 08 min 37 s
